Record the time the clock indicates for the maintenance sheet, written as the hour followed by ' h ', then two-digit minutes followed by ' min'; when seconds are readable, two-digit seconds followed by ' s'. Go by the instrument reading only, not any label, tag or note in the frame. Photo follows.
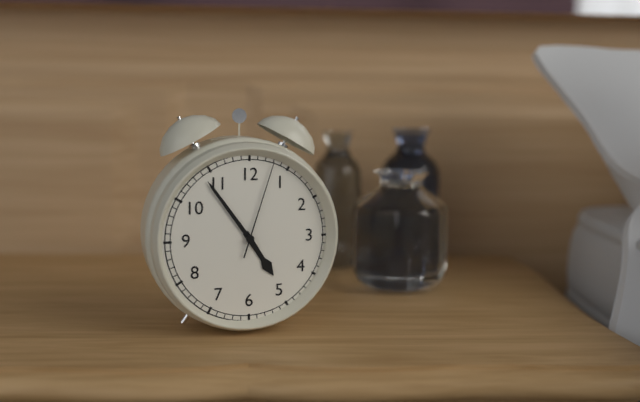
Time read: 4 h 54 min 03 s
